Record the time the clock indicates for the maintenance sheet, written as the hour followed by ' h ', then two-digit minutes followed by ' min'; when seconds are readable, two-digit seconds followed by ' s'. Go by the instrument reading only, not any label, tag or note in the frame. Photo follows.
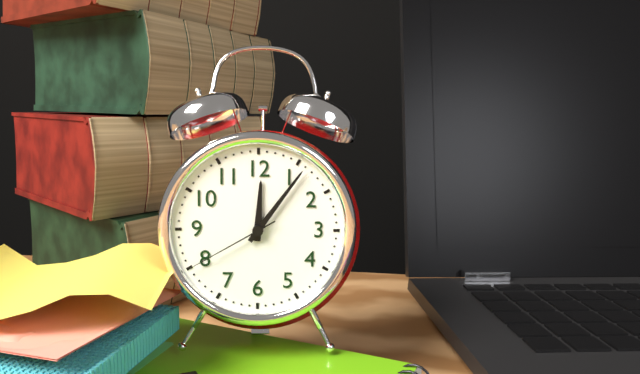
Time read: 12 h 06 min 40 s
